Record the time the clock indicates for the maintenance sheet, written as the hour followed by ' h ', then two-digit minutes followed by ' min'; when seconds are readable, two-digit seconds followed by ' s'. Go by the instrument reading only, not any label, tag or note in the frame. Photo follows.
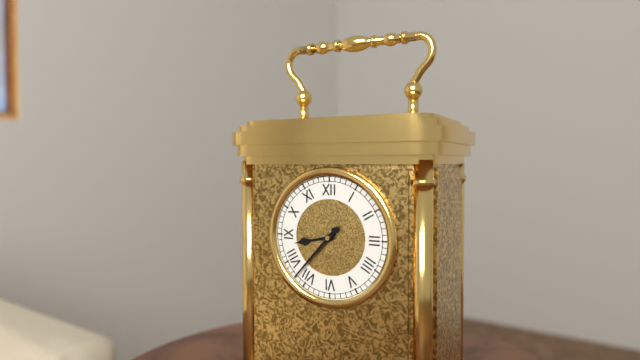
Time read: 8 h 37 min
